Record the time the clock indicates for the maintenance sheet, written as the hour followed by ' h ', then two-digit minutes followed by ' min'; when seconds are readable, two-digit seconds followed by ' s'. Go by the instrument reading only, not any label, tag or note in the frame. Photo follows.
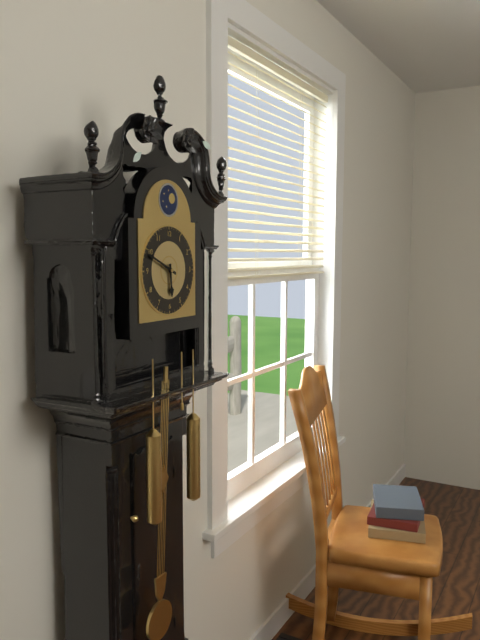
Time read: 5 h 49 min
